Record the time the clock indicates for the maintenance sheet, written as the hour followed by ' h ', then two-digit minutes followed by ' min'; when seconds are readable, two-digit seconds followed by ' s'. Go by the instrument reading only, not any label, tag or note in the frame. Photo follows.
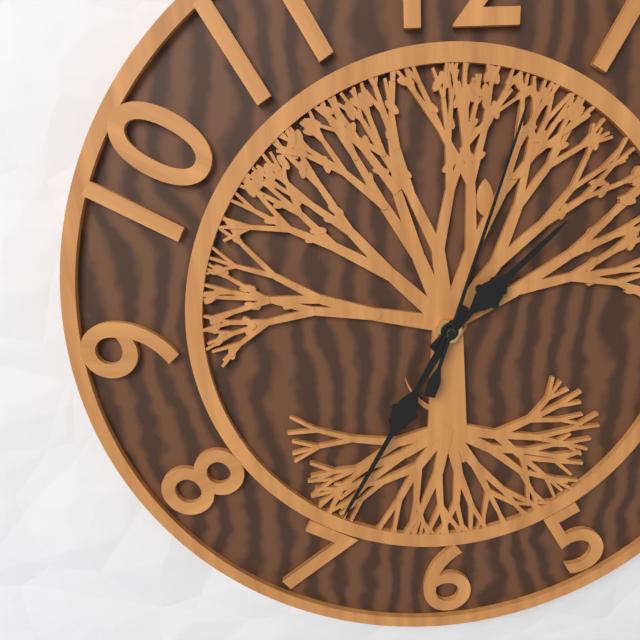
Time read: 1 h 35 min 03 s
